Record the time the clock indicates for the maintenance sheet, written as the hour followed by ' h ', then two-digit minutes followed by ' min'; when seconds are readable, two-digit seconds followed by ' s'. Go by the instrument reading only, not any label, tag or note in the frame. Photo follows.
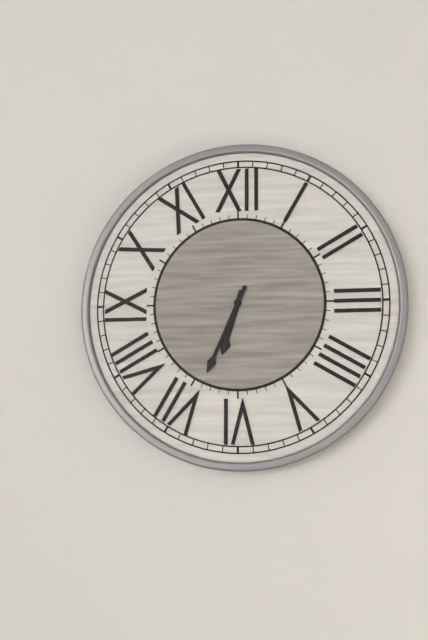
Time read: 6 h 34 min
